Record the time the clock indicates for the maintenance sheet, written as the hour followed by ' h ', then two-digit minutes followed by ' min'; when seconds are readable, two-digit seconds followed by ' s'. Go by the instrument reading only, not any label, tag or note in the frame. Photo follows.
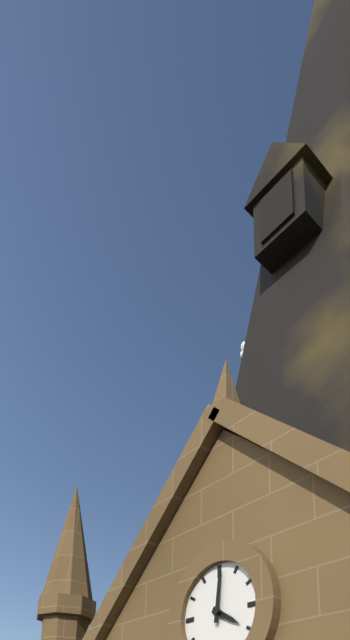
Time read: 4 h 01 min
